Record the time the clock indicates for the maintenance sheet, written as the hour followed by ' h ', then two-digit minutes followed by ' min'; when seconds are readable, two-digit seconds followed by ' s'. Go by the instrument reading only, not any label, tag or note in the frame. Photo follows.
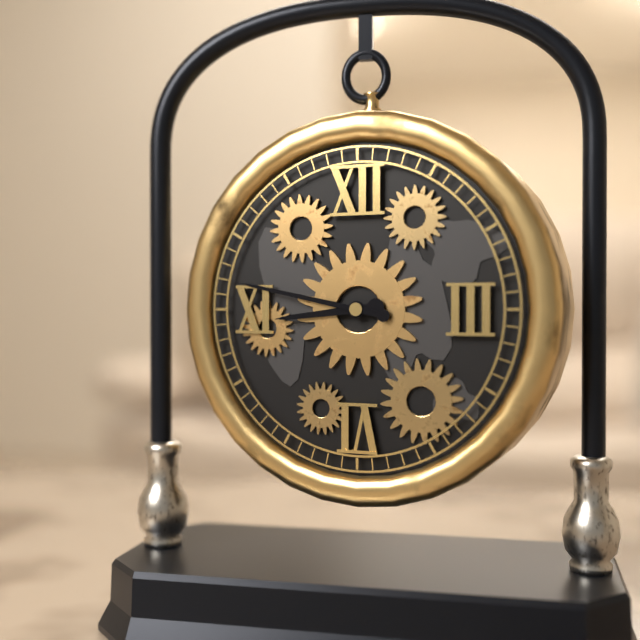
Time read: 8 h 47 min
